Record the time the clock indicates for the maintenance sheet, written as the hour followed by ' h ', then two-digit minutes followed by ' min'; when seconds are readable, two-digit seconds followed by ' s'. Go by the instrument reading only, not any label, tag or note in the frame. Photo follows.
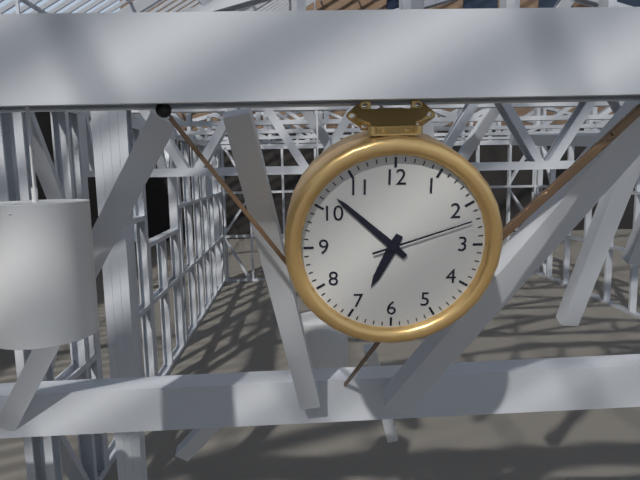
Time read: 6 h 52 min 12 s
